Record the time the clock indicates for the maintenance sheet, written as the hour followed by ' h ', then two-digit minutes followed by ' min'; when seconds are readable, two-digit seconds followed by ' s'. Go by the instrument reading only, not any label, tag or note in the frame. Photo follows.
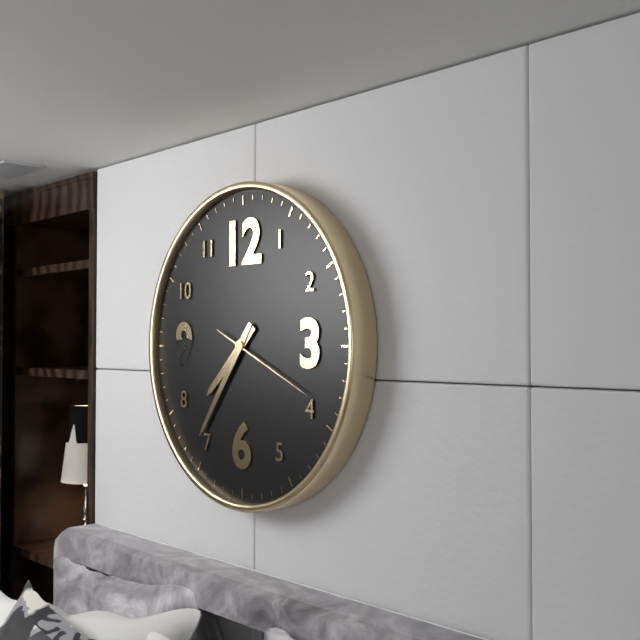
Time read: 7 h 36 min 19 s
